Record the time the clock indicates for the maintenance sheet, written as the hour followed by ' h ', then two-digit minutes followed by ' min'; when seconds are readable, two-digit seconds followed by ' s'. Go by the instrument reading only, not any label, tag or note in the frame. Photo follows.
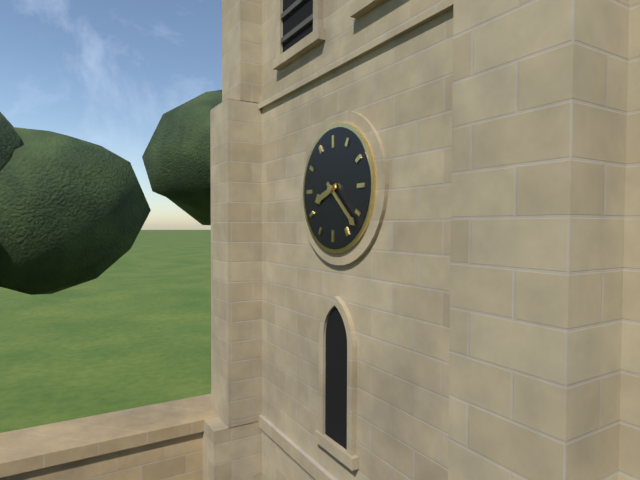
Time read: 8 h 22 min
